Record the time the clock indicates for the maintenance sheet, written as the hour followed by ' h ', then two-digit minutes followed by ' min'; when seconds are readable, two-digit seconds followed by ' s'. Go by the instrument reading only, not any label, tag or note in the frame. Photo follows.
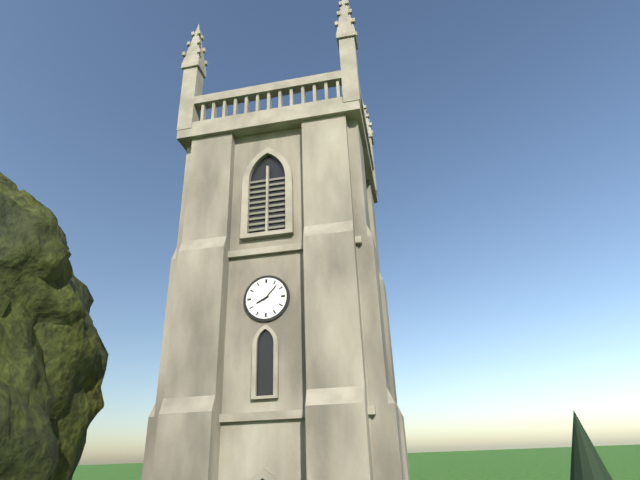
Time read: 8 h 07 min
